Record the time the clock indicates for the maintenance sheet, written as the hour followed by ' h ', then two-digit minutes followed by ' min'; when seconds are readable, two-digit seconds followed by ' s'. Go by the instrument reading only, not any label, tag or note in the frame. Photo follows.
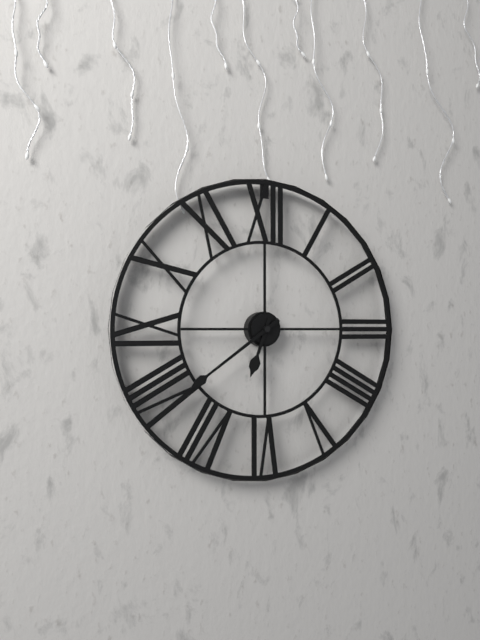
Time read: 6 h 39 min
